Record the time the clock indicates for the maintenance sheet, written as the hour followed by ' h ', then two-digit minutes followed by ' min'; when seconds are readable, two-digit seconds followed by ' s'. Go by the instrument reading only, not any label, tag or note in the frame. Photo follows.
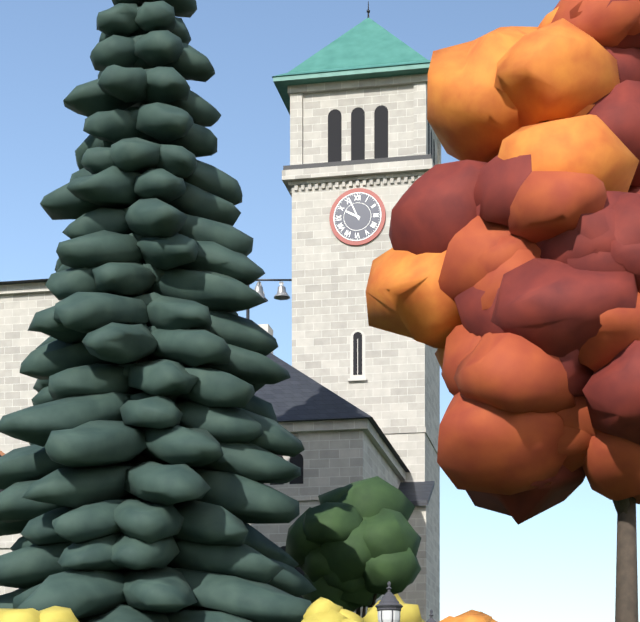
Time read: 9 h 56 min
